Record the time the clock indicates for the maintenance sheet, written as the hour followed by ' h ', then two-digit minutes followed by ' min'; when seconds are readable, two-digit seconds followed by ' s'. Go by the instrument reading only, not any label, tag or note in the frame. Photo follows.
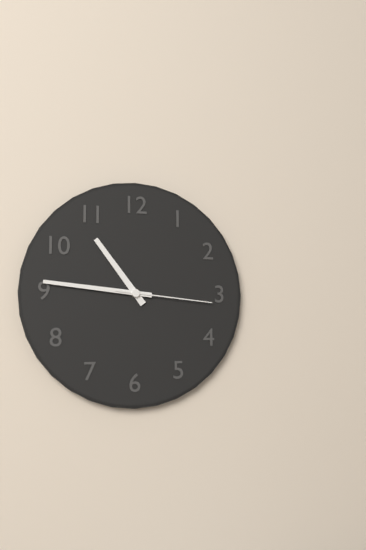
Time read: 10 h 46 min 16 s
